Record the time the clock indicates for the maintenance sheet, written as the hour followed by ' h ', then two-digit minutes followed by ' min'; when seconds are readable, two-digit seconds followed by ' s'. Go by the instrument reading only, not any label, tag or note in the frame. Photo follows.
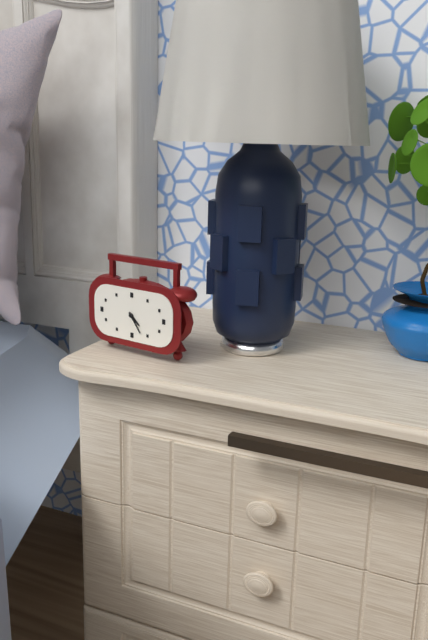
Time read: 4 h 24 min
